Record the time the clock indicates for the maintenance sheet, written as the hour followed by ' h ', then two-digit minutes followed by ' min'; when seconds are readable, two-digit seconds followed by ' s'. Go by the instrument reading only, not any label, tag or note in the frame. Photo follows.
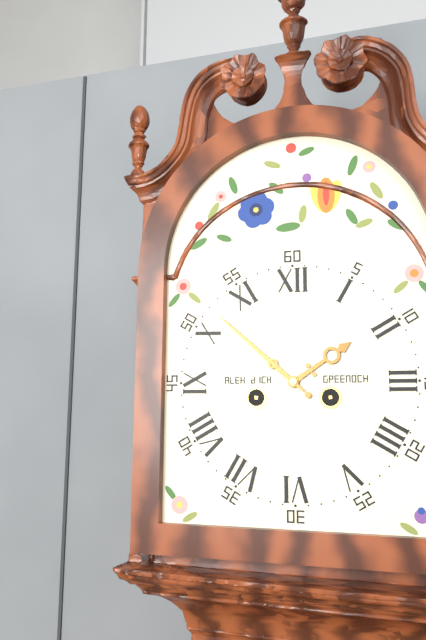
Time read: 1 h 52 min
